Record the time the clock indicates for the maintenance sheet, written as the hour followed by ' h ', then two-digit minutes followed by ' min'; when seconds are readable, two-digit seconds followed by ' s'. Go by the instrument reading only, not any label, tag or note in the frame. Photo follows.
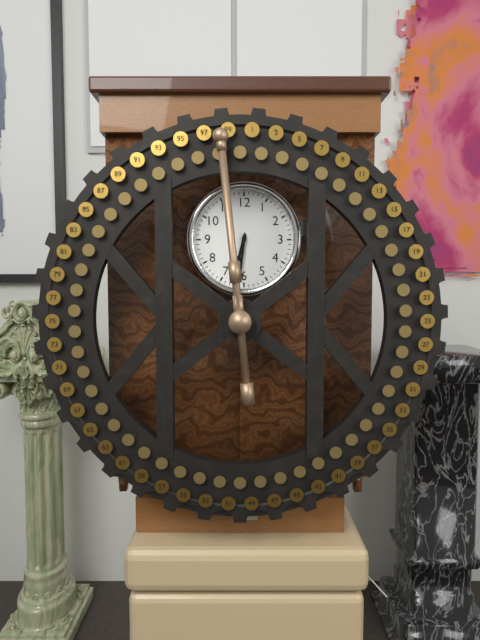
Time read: 6 h 31 min
